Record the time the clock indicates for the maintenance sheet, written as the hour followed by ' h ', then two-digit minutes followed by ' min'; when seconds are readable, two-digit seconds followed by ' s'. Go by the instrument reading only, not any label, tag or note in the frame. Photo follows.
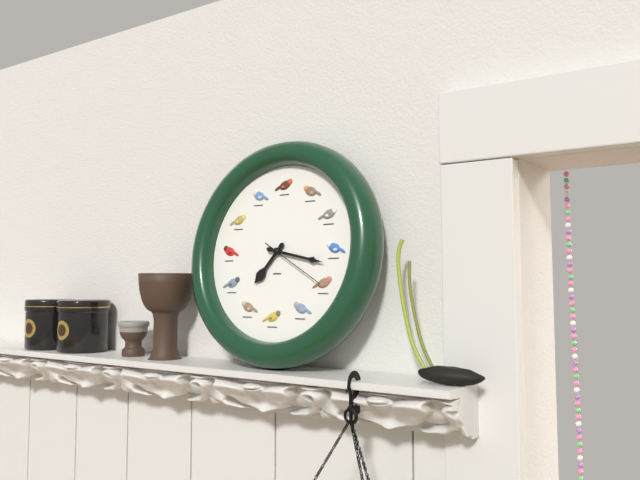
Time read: 7 h 17 min 20 s
